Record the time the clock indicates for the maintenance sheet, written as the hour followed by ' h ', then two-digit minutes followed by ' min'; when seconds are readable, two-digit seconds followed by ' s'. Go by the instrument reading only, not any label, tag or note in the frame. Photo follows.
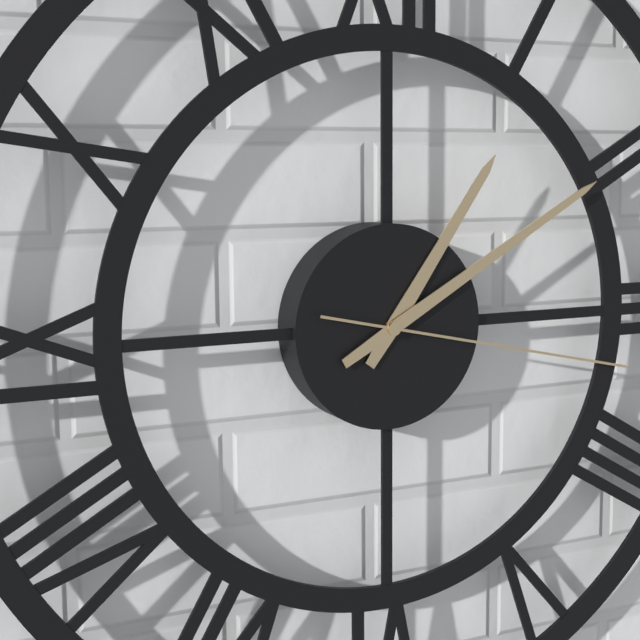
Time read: 1 h 10 min 17 s
